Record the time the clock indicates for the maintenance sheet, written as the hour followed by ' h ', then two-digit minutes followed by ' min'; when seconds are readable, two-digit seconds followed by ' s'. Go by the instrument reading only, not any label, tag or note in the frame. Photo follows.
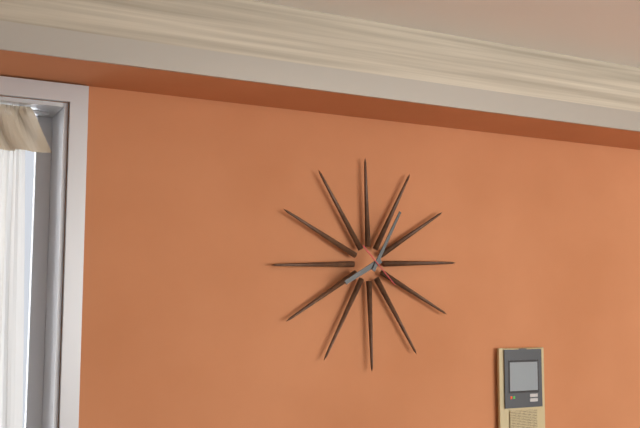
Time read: 8 h 05 min
